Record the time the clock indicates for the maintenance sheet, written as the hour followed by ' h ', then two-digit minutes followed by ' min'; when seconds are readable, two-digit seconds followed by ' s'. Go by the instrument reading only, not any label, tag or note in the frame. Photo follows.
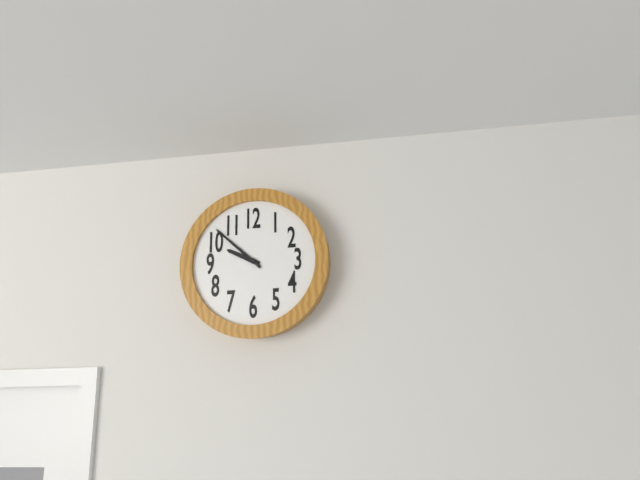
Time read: 9 h 52 min
